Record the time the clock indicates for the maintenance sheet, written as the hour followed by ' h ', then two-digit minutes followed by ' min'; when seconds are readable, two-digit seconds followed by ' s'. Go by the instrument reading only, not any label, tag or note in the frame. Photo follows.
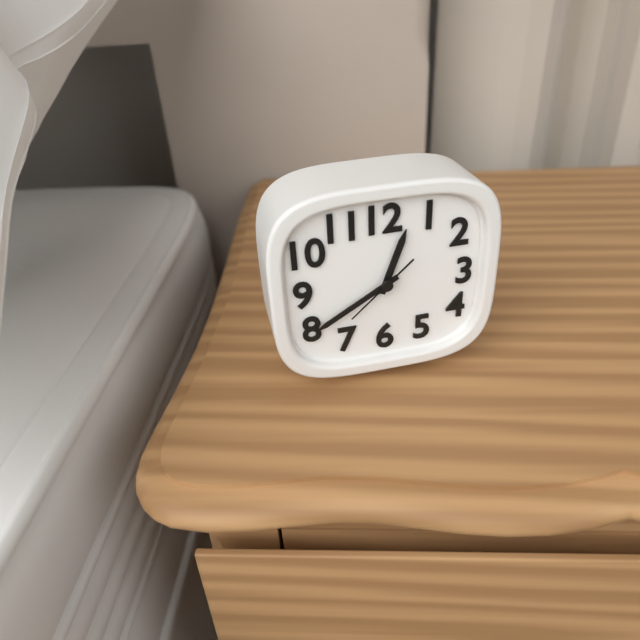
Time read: 12 h 40 min 38 s
